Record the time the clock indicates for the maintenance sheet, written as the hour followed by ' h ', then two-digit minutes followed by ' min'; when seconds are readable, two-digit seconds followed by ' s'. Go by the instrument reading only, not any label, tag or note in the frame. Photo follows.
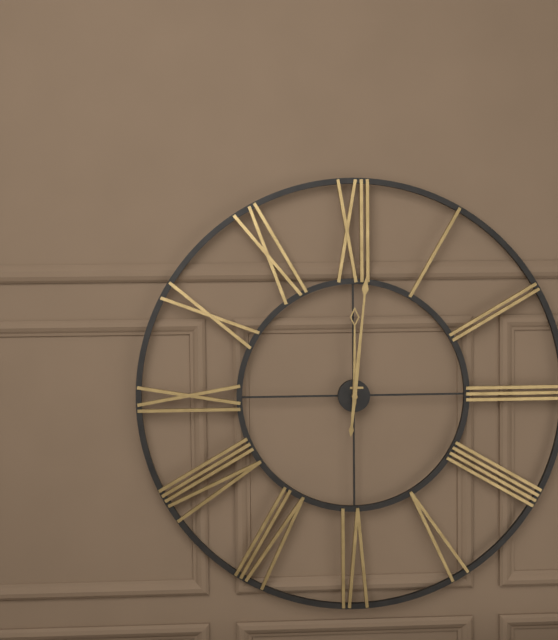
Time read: 12 h 01 min
